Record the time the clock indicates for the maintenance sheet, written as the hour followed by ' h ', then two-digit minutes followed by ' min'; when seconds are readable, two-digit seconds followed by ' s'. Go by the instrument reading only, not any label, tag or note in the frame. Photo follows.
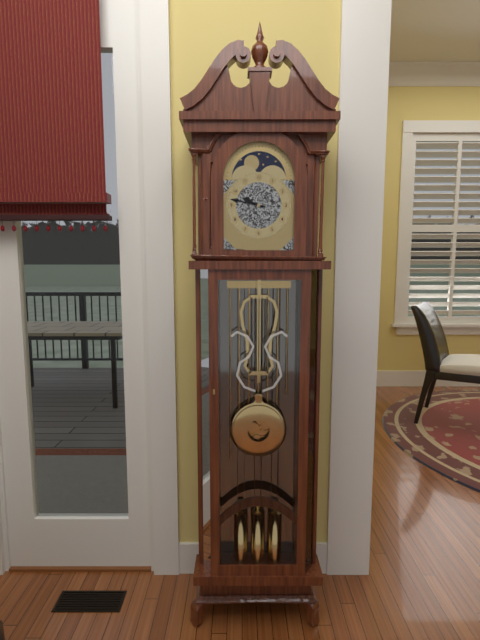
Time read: 9 h 47 min
